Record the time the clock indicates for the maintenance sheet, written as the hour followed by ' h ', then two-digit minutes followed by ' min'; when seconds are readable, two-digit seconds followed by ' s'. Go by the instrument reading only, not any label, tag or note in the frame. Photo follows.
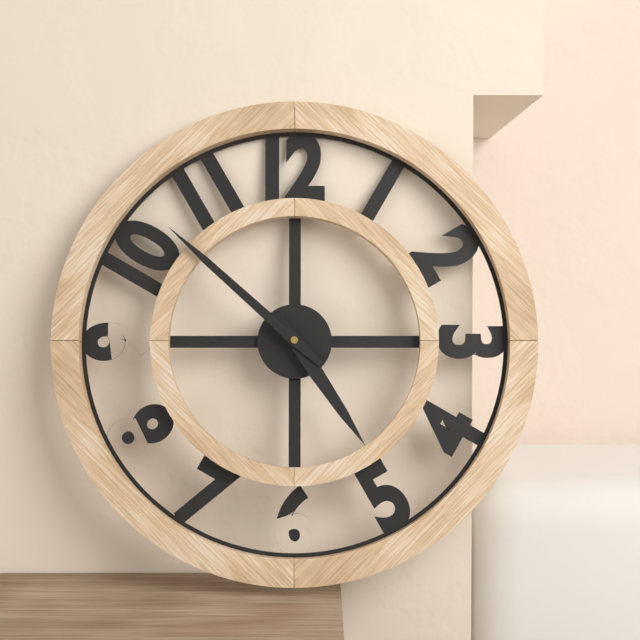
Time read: 4 h 52 min
